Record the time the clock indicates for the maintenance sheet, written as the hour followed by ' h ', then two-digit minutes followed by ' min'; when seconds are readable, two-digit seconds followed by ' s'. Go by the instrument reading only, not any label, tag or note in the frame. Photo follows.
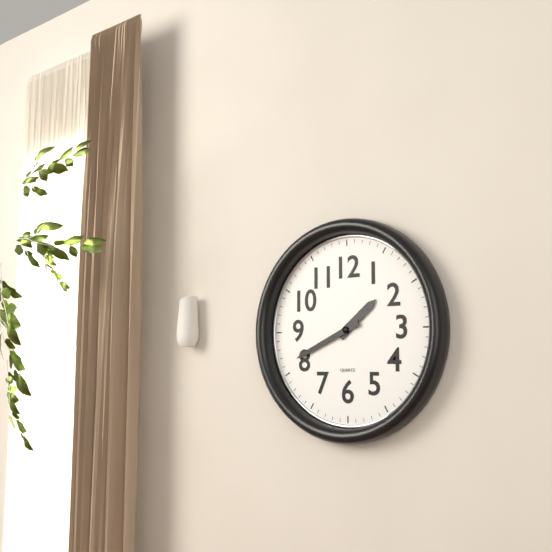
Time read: 1 h 41 min
